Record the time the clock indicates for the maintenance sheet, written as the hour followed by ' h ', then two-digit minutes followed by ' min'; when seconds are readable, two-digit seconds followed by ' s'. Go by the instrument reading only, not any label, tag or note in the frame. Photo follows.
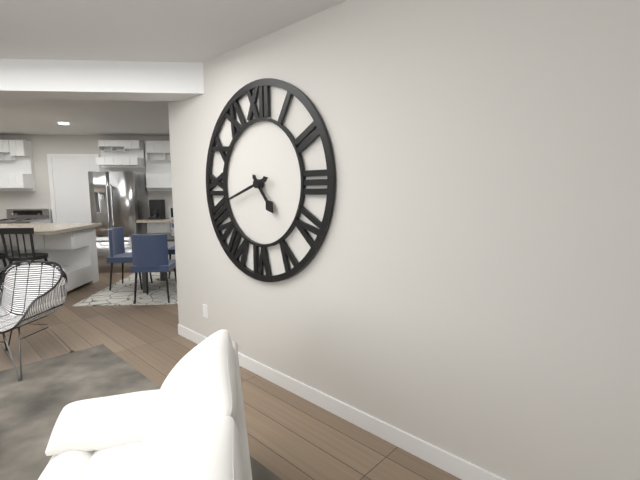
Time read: 4 h 42 min
